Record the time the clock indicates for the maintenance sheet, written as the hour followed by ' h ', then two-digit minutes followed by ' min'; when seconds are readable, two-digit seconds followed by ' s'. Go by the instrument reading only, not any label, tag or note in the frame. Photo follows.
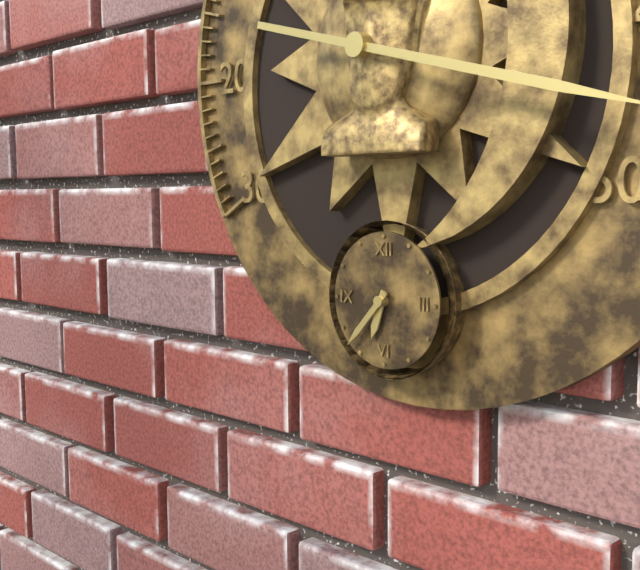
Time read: 6 h 37 min
